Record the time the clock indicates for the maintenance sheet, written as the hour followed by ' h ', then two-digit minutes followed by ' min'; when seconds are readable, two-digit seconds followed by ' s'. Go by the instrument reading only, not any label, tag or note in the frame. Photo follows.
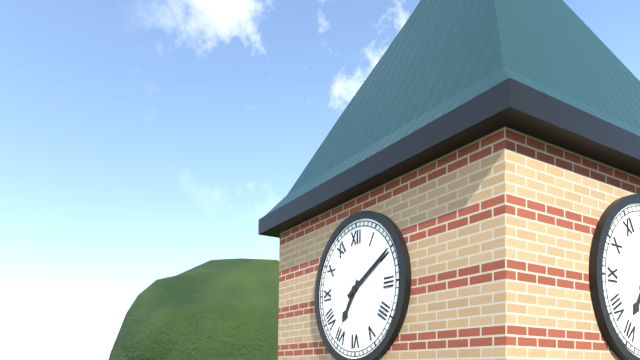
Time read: 7 h 10 min
